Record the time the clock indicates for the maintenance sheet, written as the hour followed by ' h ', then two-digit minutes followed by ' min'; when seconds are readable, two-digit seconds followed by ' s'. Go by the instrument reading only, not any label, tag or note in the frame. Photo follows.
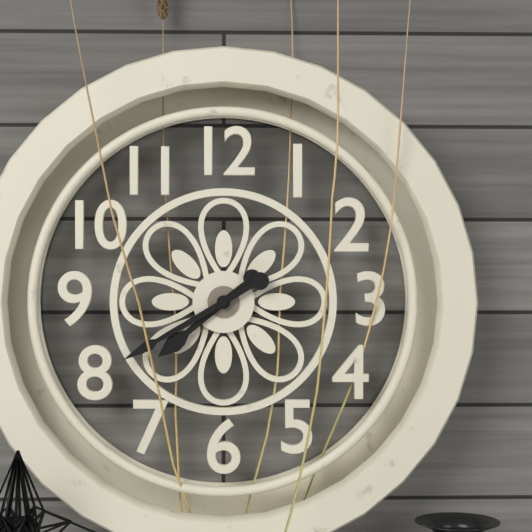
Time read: 7 h 40 min
